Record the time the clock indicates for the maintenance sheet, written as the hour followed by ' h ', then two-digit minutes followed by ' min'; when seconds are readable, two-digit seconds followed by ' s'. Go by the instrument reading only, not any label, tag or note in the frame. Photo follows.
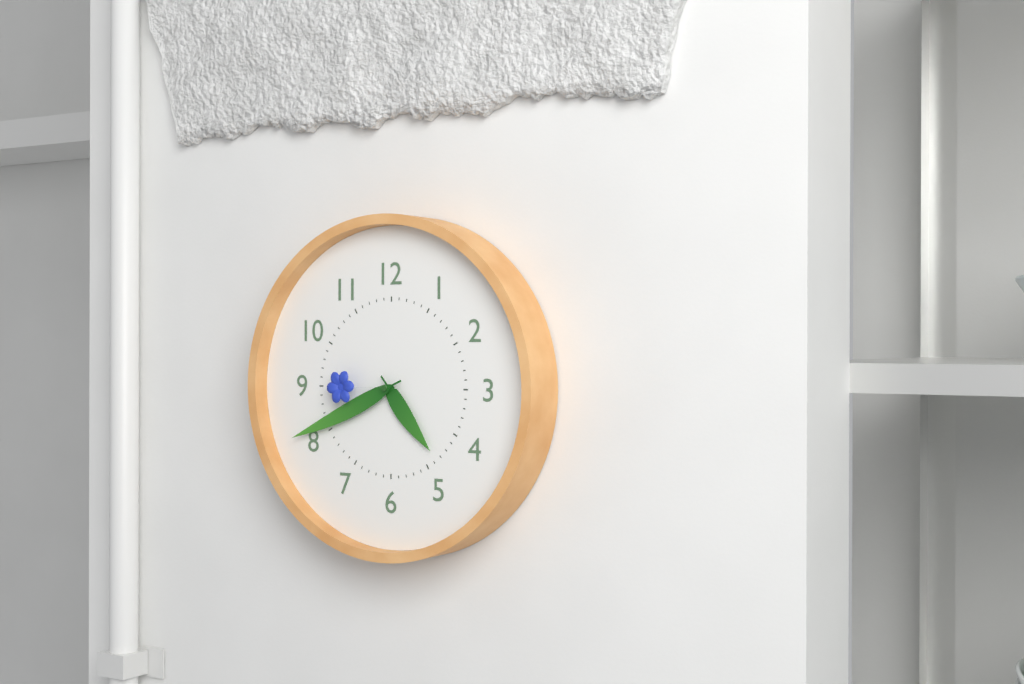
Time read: 4 h 41 min 45 s
